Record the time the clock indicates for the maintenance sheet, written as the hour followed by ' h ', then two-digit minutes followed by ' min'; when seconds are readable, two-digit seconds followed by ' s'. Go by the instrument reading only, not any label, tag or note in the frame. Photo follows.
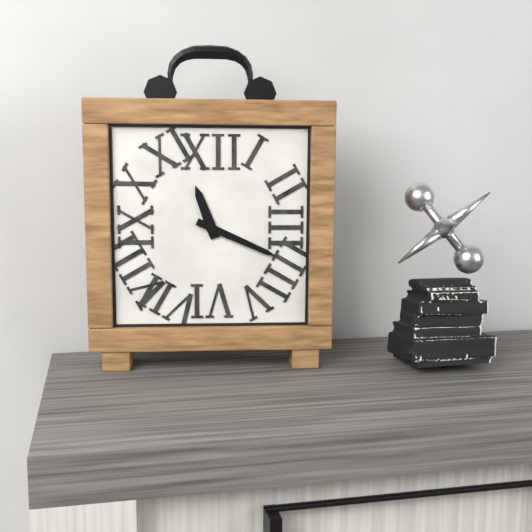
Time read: 11 h 19 min
